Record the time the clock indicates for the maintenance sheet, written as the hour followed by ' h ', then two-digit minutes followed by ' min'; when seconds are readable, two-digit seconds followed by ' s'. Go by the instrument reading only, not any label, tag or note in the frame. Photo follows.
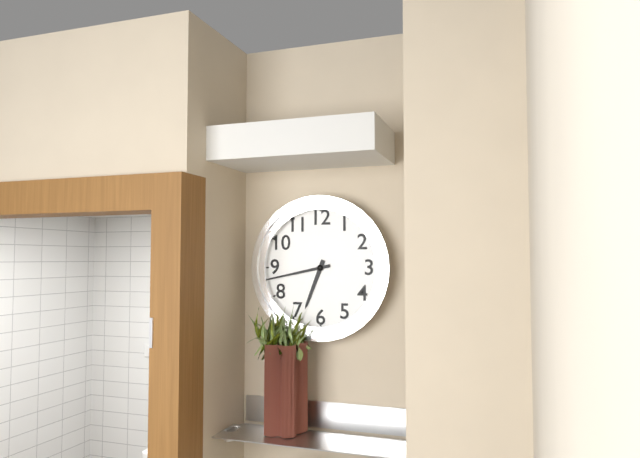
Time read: 6 h 43 min
